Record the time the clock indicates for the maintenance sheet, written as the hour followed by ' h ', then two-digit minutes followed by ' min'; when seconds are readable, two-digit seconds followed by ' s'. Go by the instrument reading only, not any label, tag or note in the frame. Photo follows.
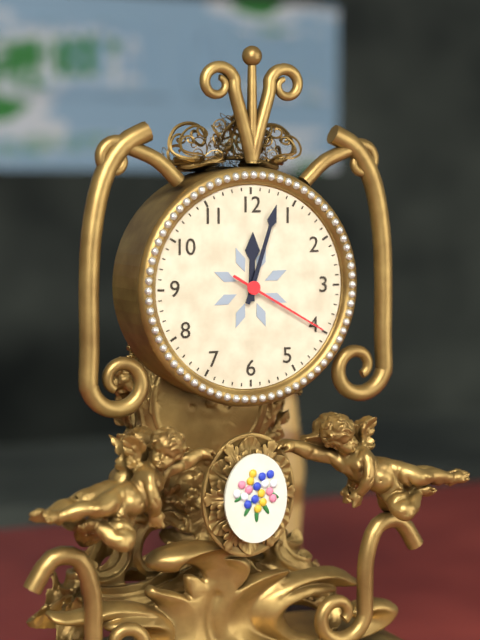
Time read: 12 h 03 min 20 s
